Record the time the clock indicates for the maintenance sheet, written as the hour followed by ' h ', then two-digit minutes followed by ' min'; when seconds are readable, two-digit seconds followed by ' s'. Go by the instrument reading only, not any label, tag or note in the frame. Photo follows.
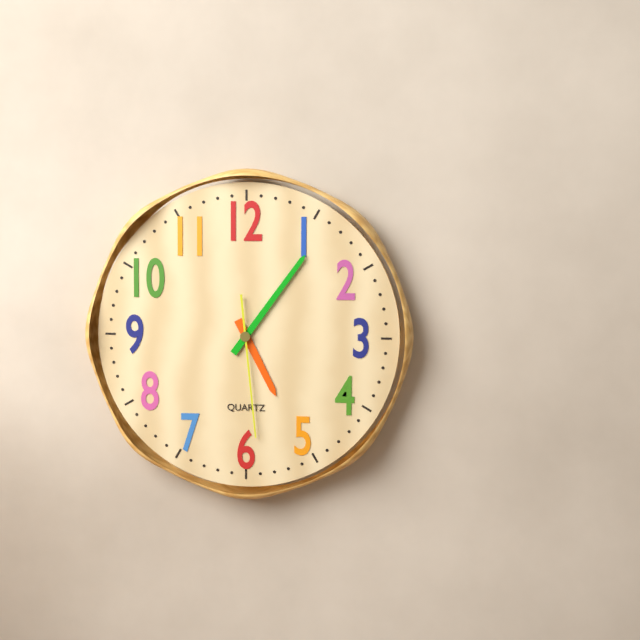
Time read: 5 h 06 min 29 s
